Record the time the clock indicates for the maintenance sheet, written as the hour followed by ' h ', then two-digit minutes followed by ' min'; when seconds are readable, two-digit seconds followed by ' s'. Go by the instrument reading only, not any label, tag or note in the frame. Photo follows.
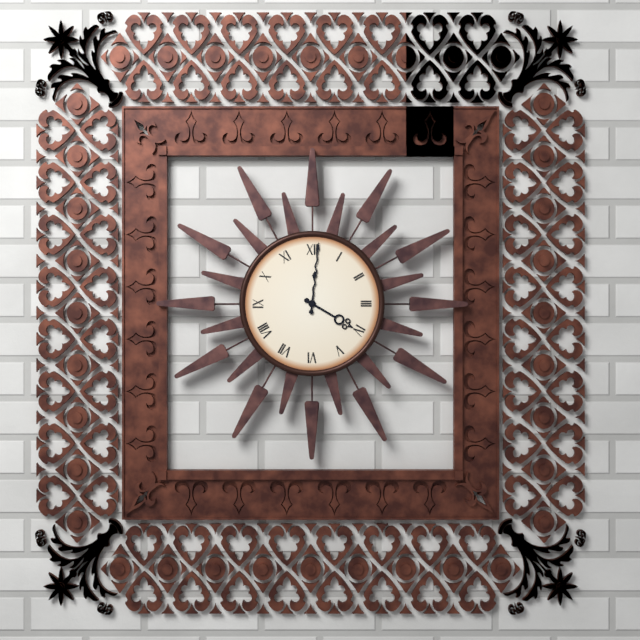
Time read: 4 h 01 min
